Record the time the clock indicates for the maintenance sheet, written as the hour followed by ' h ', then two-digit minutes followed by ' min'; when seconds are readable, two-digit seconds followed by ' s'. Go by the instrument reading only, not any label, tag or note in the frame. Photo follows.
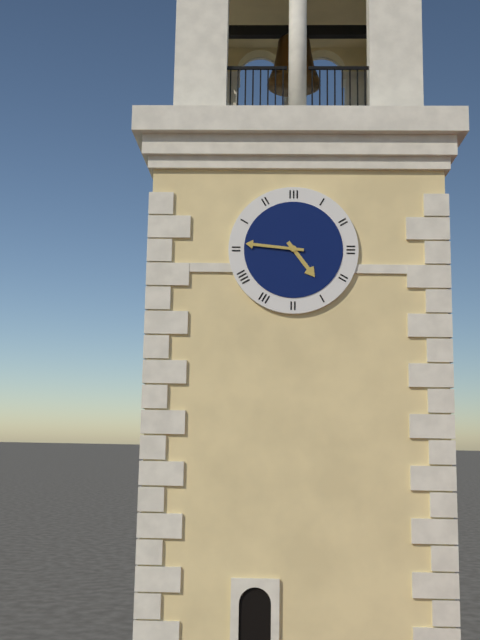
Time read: 4 h 46 min
